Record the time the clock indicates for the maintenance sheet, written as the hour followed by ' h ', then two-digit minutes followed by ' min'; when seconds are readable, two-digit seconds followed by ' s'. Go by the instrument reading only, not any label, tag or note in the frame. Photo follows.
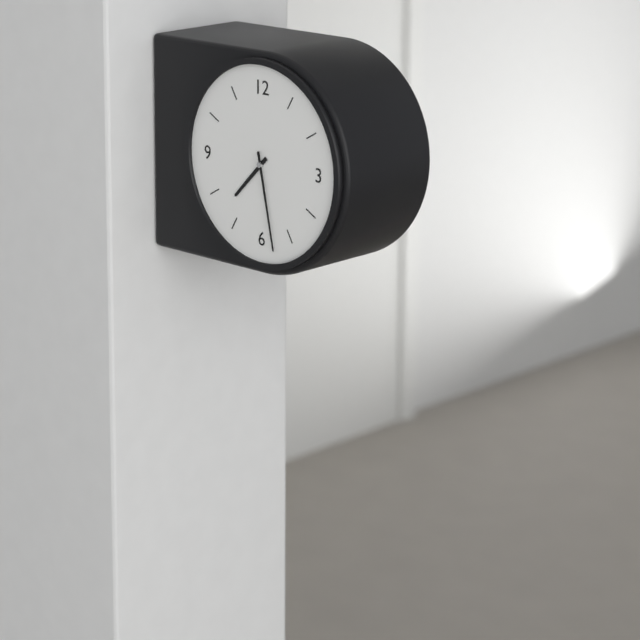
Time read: 7 h 28 min
